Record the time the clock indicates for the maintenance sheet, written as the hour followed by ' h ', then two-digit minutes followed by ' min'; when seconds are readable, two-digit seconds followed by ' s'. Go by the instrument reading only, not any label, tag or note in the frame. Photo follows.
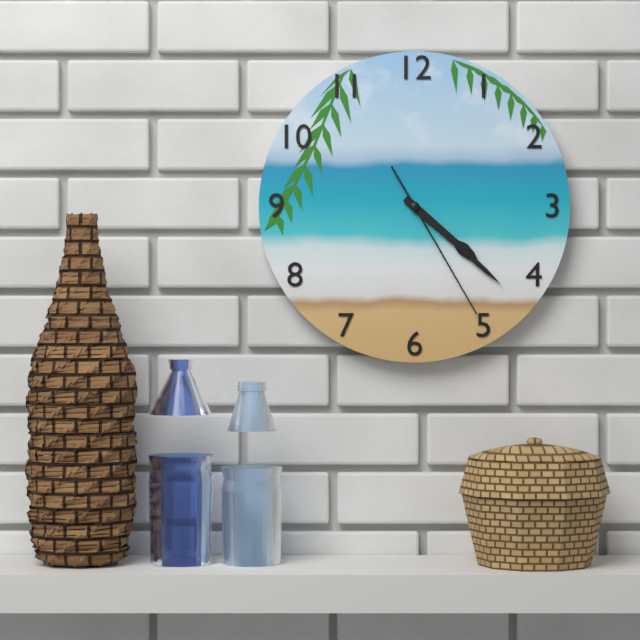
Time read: 4 h 22 min 25 s
